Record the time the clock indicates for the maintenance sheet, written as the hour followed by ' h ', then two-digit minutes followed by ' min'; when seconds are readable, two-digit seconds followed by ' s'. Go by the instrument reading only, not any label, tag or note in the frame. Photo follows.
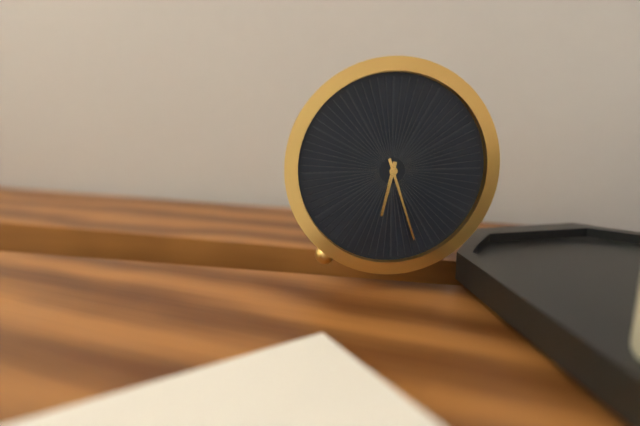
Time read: 6 h 27 min
